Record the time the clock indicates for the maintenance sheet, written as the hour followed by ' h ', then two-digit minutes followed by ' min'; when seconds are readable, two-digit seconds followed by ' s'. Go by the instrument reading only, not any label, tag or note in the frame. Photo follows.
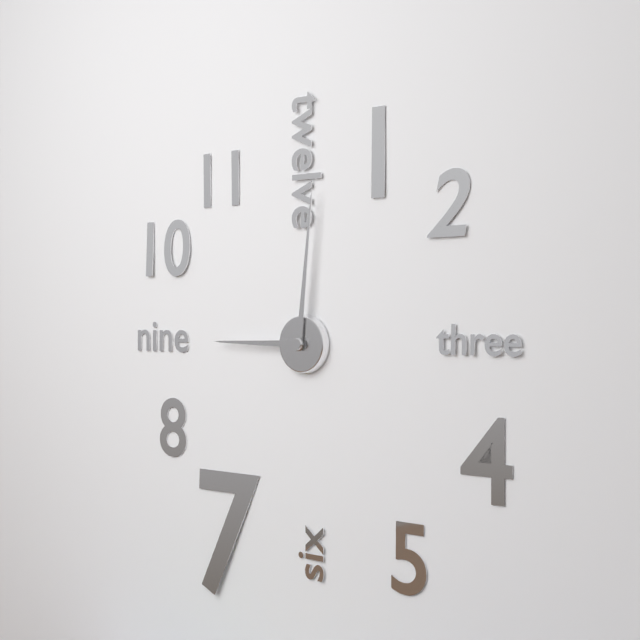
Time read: 9 h 01 min
